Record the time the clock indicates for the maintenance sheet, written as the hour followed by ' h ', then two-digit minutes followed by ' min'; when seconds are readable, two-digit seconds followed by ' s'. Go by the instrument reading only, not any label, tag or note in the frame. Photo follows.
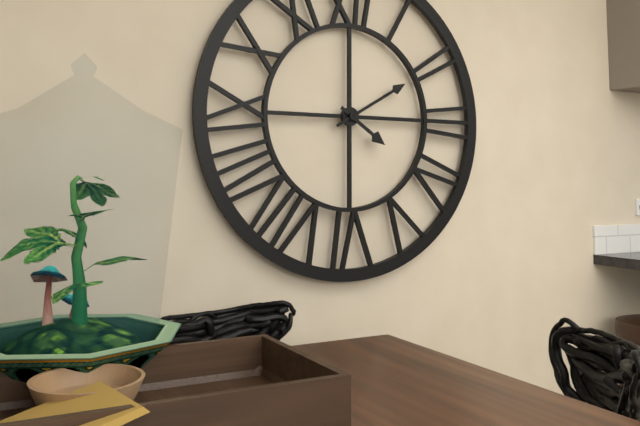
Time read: 4 h 10 min
